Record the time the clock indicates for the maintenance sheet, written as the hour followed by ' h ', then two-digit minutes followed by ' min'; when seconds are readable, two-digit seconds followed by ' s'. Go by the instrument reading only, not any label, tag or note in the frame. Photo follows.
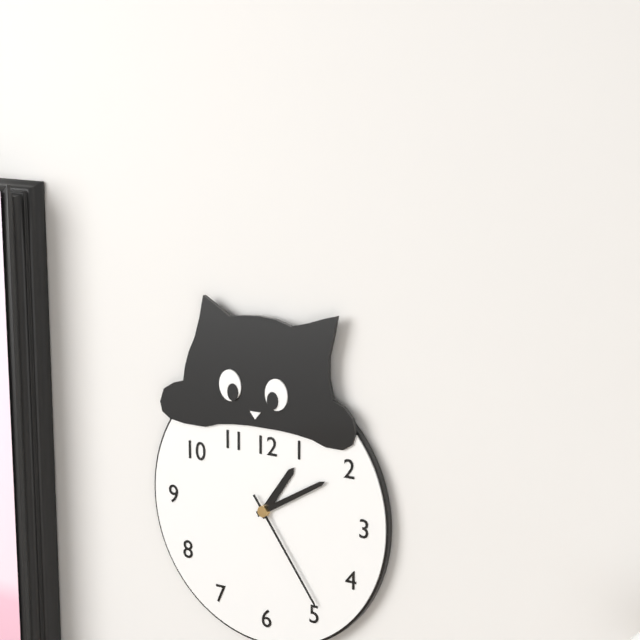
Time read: 1 h 10 min 24 s
